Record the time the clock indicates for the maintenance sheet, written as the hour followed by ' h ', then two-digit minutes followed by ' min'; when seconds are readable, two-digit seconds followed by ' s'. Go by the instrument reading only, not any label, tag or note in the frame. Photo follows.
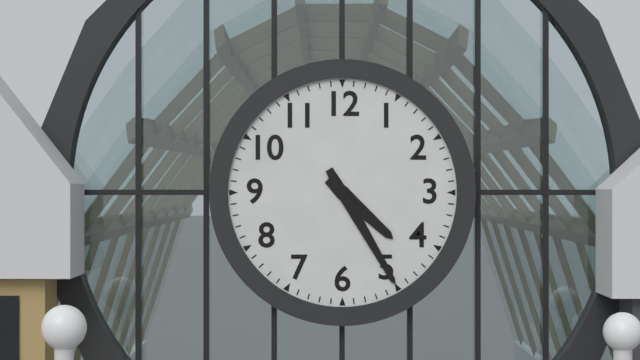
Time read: 4 h 25 min
